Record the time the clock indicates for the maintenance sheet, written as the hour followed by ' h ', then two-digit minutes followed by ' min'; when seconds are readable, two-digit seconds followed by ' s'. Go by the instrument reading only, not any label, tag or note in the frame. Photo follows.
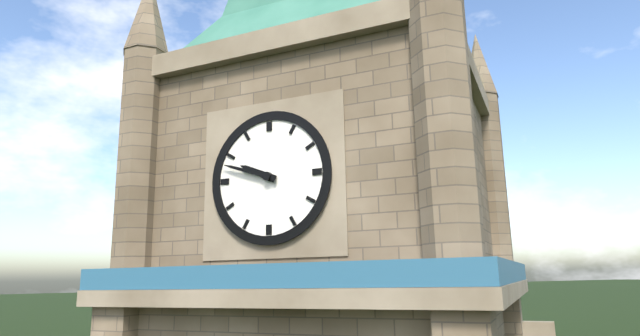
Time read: 9 h 48 min
